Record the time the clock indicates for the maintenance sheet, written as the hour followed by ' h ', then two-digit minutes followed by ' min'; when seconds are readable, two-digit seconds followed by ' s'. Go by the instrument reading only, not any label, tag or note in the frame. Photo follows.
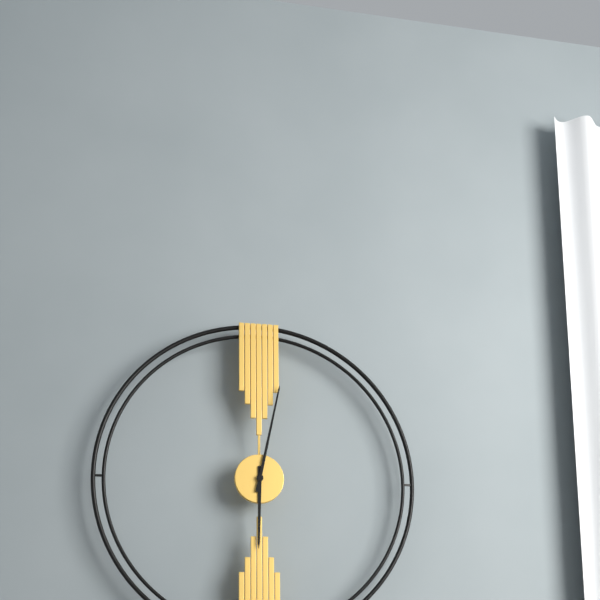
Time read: 6 h 02 min
